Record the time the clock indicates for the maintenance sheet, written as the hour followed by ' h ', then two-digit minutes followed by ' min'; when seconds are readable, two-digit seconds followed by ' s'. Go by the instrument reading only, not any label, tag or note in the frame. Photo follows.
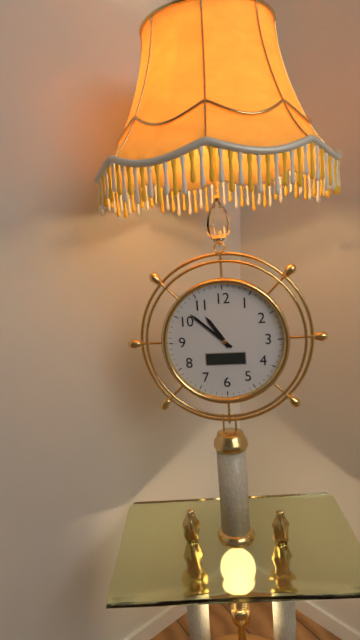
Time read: 10 h 52 min
